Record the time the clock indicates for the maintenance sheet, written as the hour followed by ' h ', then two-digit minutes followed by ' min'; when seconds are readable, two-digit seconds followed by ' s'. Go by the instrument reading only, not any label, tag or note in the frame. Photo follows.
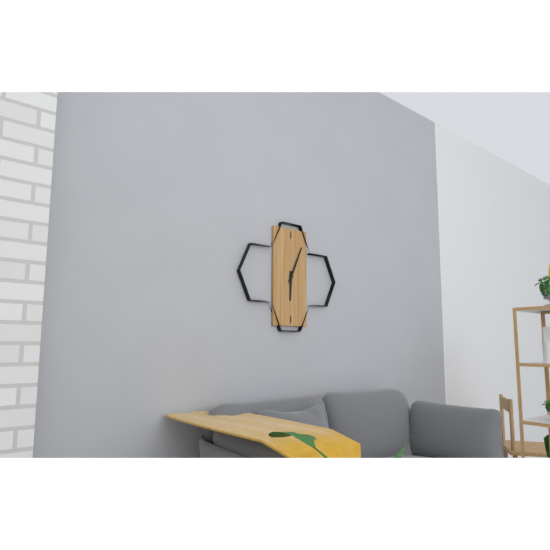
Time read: 6 h 04 min
